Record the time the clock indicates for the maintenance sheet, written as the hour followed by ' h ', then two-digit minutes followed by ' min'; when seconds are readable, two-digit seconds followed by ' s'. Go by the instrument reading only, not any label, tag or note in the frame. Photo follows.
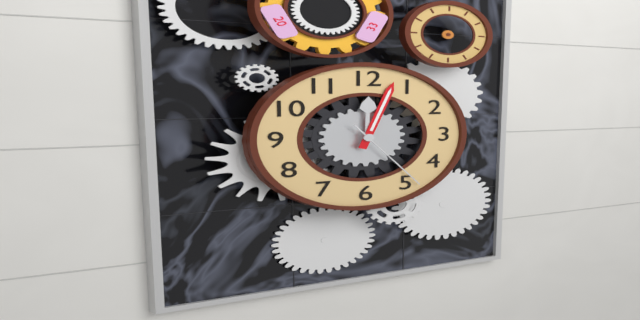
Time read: 12 h 03 min 24 s
